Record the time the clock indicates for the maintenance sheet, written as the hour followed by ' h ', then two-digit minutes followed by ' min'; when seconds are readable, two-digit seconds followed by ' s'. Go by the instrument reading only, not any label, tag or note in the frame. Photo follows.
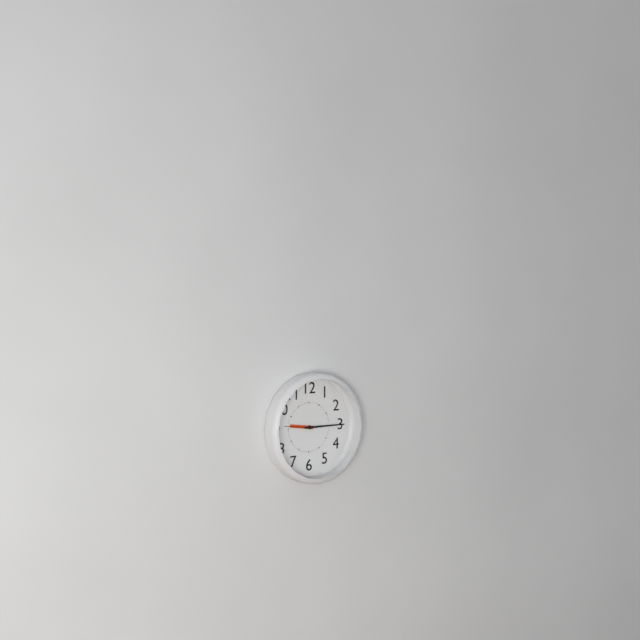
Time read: 9 h 15 min
